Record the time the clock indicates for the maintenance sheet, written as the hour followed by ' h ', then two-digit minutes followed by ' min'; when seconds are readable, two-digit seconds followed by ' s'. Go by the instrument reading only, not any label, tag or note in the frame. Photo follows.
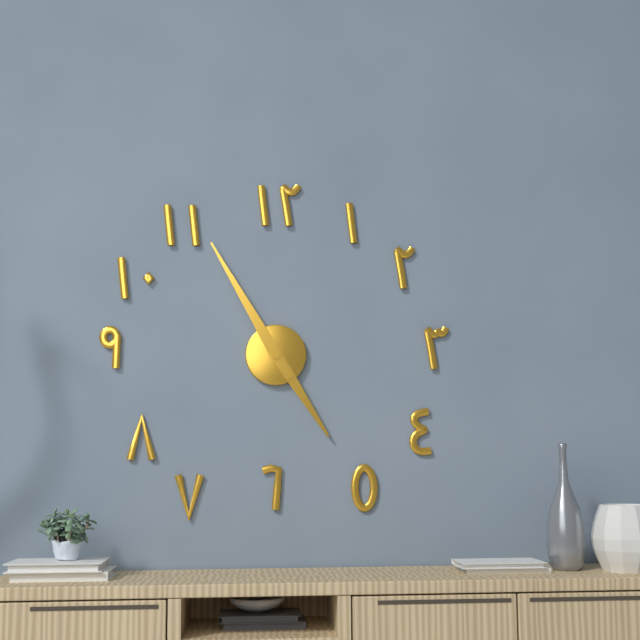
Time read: 4 h 55 min
